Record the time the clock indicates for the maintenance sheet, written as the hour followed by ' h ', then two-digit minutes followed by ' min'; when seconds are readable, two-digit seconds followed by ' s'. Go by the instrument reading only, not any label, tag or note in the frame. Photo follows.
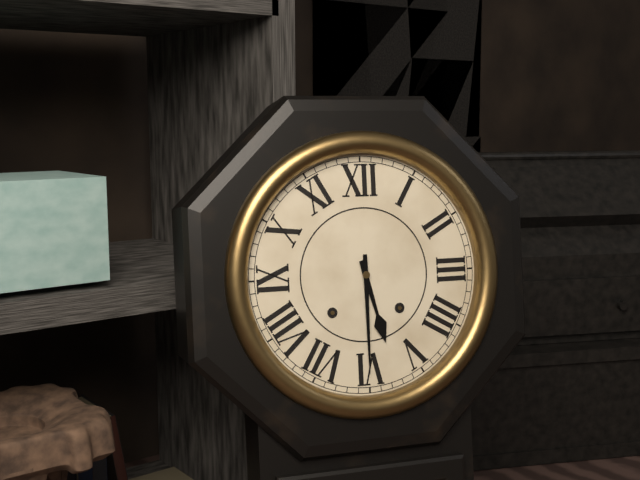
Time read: 5 h 30 min
